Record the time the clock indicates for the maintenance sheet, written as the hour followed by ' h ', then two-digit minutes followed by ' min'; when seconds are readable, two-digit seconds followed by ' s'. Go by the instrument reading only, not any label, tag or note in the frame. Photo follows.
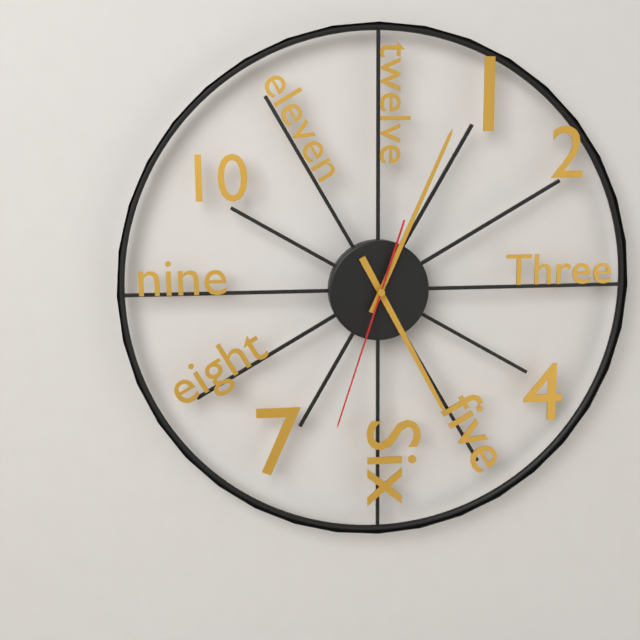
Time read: 5 h 04 min 33 s
